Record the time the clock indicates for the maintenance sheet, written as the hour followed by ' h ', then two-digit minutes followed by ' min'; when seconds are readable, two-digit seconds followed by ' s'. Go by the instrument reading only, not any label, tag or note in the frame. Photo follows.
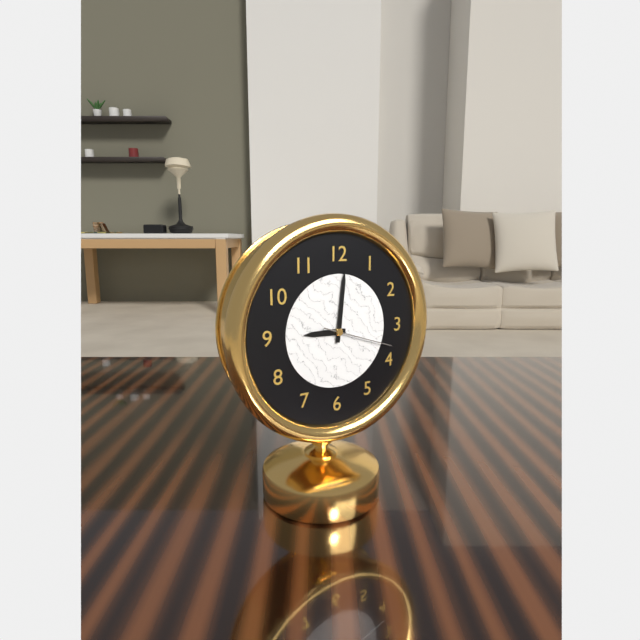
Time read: 9 h 01 min 18 s
